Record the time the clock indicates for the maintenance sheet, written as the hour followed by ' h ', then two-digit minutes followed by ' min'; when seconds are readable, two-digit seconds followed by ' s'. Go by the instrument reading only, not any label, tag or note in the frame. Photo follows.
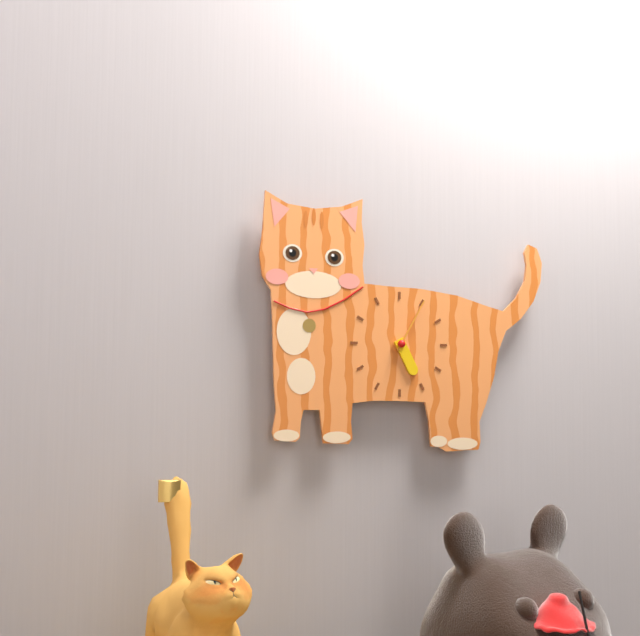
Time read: 5 h 05 min
